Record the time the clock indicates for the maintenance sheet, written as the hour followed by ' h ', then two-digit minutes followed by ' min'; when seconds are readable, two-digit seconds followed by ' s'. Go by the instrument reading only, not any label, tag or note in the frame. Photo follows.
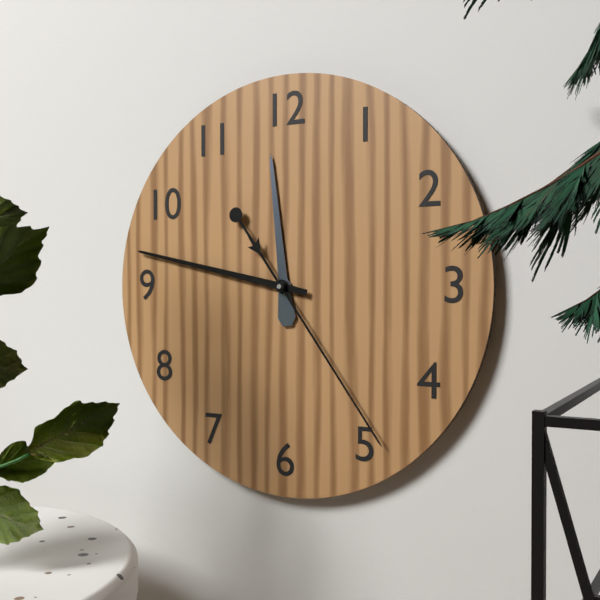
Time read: 11 h 47 min 24 s
